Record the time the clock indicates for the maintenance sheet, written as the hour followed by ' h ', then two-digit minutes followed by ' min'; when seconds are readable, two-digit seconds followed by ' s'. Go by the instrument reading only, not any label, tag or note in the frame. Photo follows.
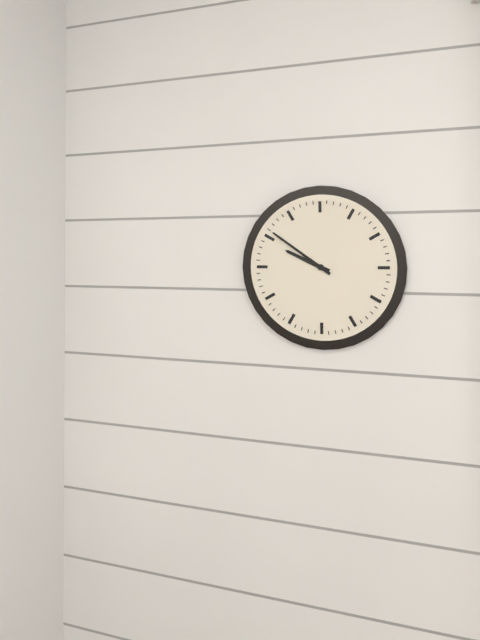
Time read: 9 h 51 min
